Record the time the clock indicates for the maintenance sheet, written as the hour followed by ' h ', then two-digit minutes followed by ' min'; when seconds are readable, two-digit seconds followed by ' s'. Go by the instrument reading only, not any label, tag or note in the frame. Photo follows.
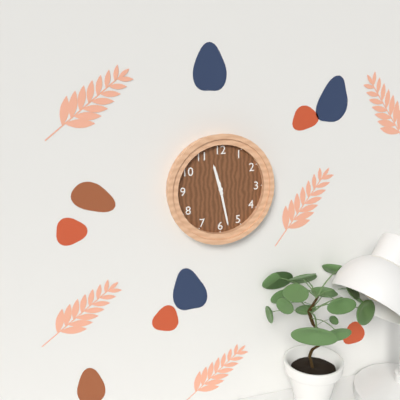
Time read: 11 h 28 min
